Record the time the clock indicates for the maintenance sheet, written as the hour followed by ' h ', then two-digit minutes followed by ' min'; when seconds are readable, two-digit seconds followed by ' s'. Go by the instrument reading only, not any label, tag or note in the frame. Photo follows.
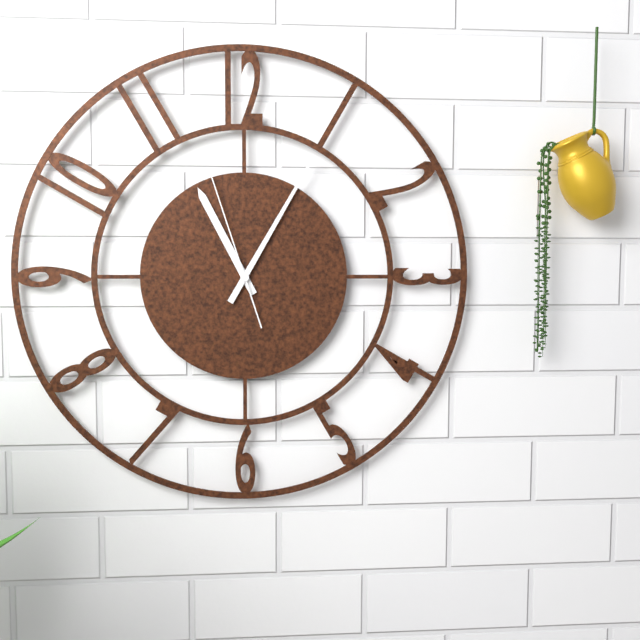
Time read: 11 h 05 min 57 s
